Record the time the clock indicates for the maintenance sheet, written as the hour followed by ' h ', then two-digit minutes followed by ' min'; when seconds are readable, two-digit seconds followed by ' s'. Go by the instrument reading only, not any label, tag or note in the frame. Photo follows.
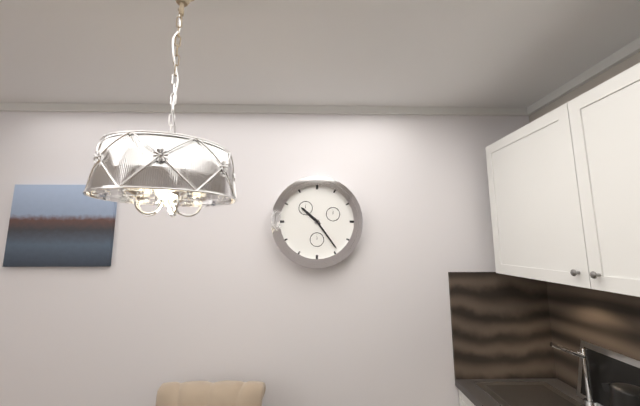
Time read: 10 h 24 min
